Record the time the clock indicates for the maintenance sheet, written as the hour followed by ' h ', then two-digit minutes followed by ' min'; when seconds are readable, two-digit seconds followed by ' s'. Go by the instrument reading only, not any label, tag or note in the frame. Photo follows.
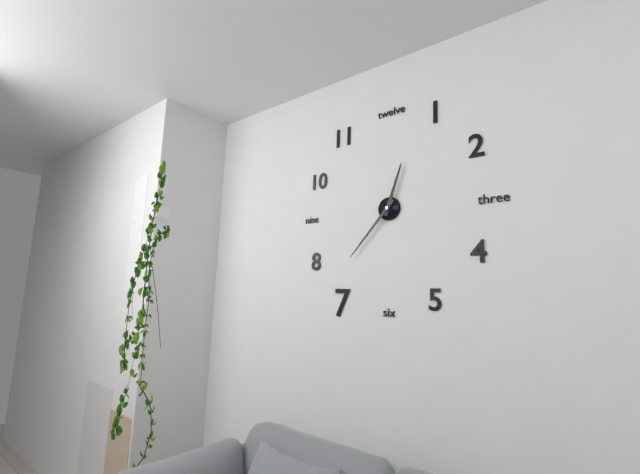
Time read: 12 h 37 min
